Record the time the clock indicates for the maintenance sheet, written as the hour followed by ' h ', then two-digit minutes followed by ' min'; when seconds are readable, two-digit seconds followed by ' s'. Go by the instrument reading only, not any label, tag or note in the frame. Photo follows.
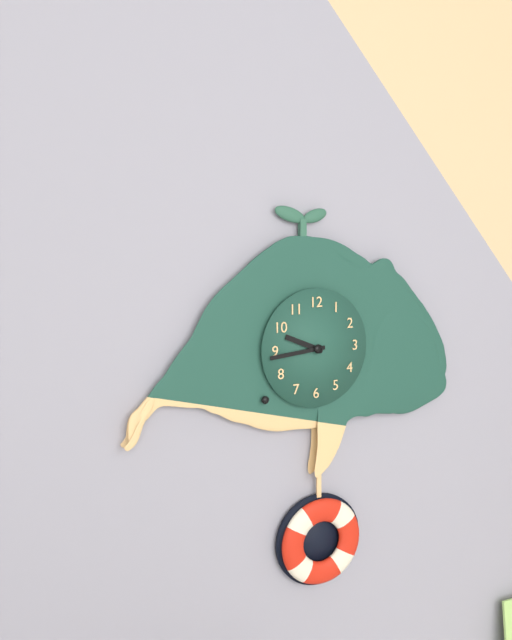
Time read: 9 h 44 min
